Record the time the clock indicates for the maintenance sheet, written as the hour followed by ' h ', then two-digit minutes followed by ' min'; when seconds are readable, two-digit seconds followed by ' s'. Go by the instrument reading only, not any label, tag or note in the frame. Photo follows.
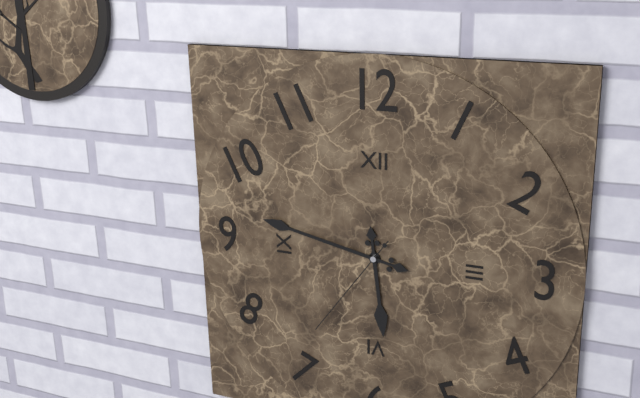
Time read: 5 h 47 min 36 s
